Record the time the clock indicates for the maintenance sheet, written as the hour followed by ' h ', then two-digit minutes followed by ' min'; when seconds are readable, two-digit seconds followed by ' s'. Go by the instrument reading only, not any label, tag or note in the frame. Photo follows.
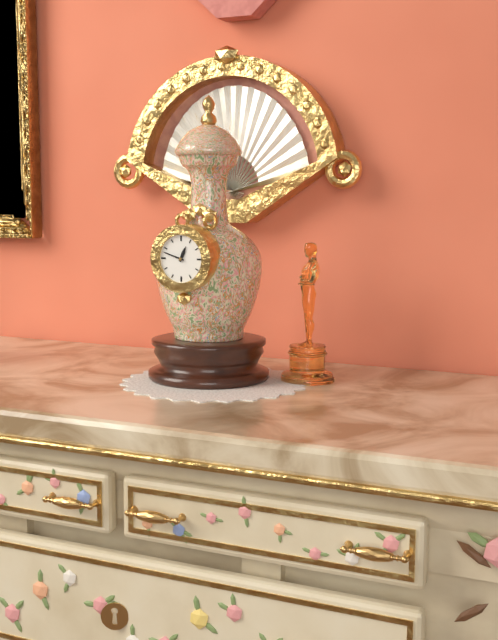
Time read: 12 h 48 min
